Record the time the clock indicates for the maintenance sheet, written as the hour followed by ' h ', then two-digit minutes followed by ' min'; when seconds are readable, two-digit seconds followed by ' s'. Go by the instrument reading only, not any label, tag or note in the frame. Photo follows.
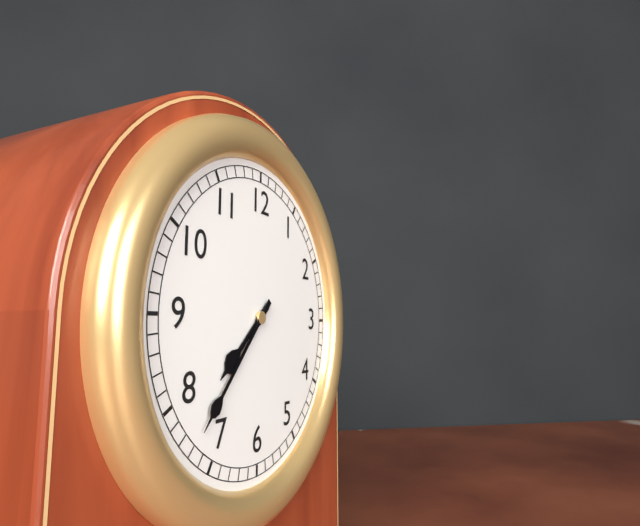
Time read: 7 h 37 min
